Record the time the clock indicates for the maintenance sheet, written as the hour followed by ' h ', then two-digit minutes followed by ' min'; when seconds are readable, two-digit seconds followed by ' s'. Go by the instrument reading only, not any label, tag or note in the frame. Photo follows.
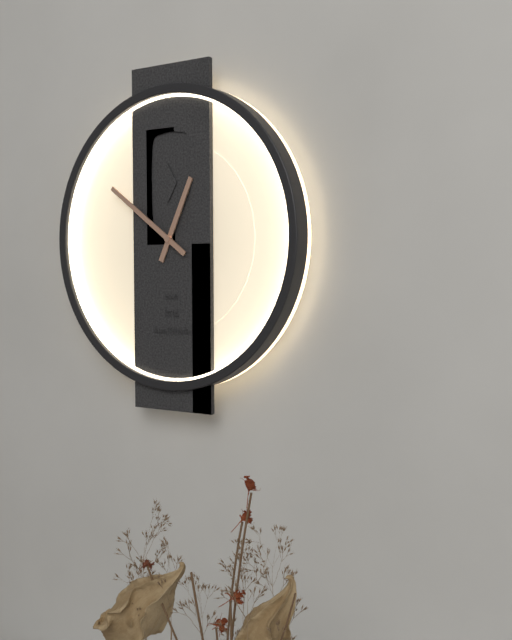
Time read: 12 h 51 min
